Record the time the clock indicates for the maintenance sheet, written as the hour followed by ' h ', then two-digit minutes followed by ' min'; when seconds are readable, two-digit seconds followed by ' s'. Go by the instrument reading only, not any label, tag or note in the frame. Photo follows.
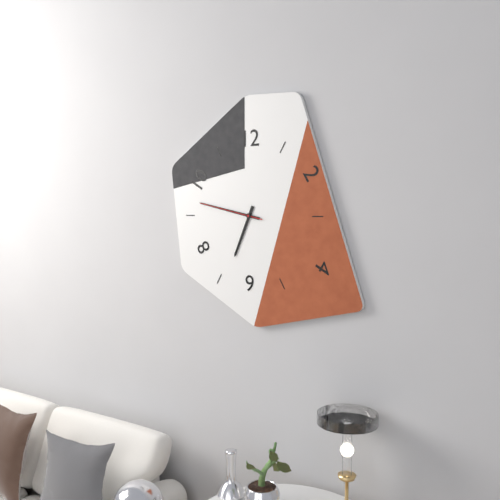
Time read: 6 h 47 min 47 s
